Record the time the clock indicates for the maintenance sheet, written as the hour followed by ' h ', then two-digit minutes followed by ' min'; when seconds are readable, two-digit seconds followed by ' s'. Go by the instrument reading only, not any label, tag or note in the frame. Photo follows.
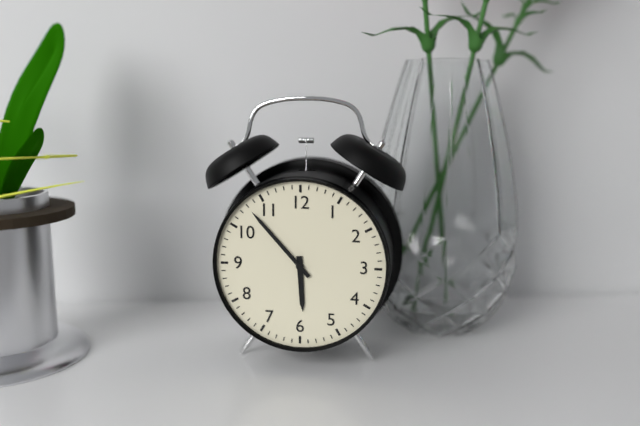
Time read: 5 h 53 min
